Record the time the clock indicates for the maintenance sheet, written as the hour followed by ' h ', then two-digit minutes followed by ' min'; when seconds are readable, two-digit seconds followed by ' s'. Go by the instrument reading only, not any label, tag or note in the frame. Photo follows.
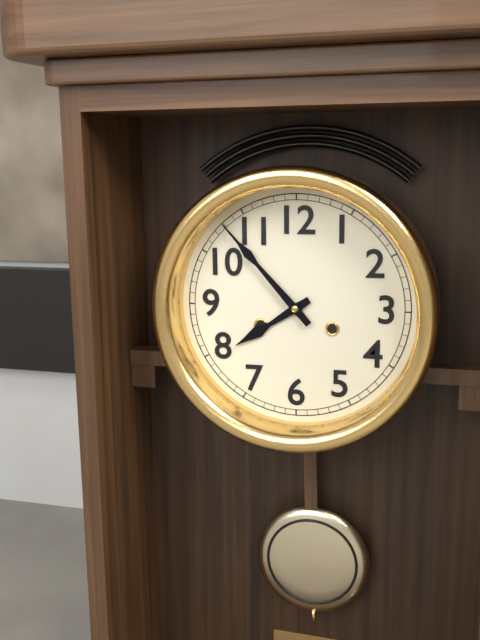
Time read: 7 h 53 min
